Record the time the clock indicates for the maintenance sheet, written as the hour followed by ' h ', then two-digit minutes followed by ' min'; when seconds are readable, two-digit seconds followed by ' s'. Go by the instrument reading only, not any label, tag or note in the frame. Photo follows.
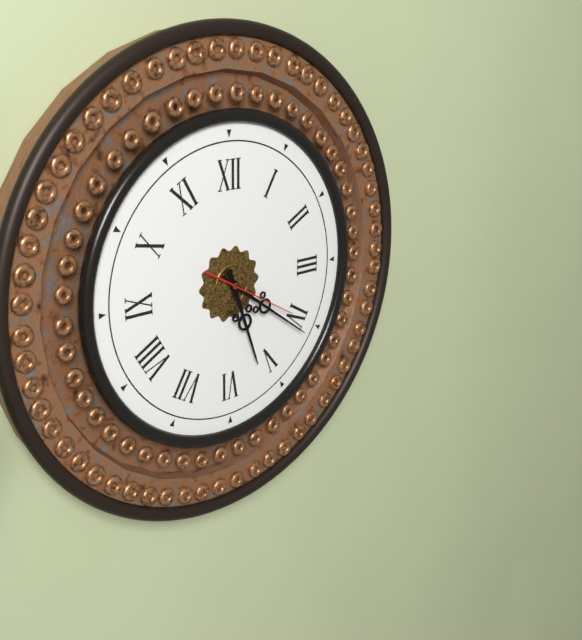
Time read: 5 h 21 min 20 s
